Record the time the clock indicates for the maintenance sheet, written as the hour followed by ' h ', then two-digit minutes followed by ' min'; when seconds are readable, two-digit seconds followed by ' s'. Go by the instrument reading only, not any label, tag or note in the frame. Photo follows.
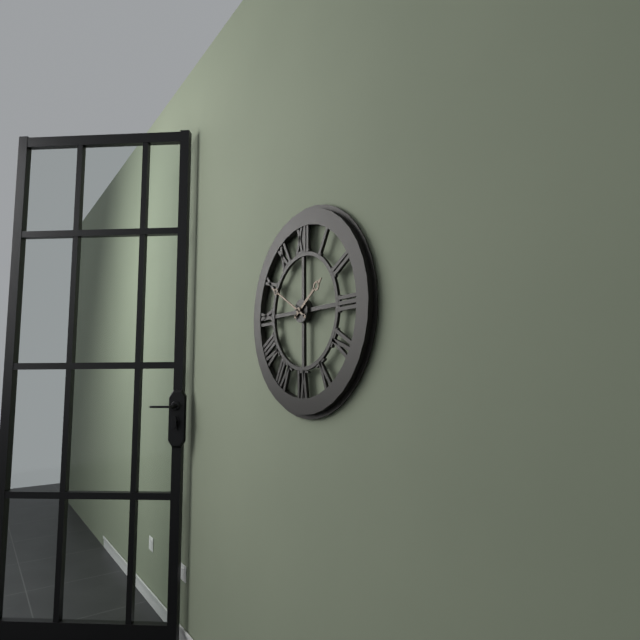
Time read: 1 h 50 min
